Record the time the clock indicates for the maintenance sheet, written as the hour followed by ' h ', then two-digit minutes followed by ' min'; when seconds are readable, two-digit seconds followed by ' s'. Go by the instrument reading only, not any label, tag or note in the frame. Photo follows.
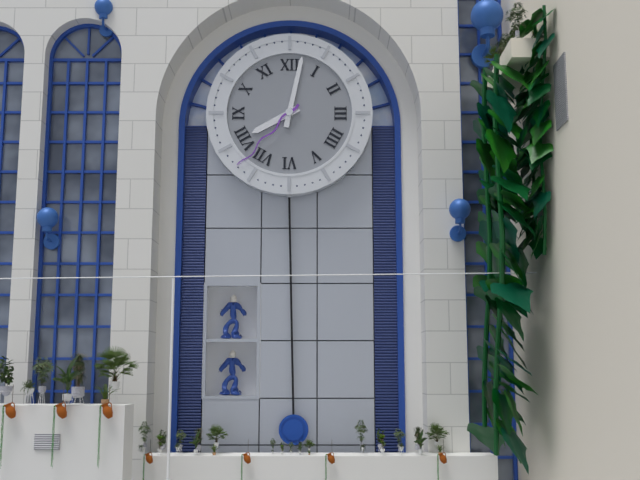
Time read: 8 h 02 min 37 s
